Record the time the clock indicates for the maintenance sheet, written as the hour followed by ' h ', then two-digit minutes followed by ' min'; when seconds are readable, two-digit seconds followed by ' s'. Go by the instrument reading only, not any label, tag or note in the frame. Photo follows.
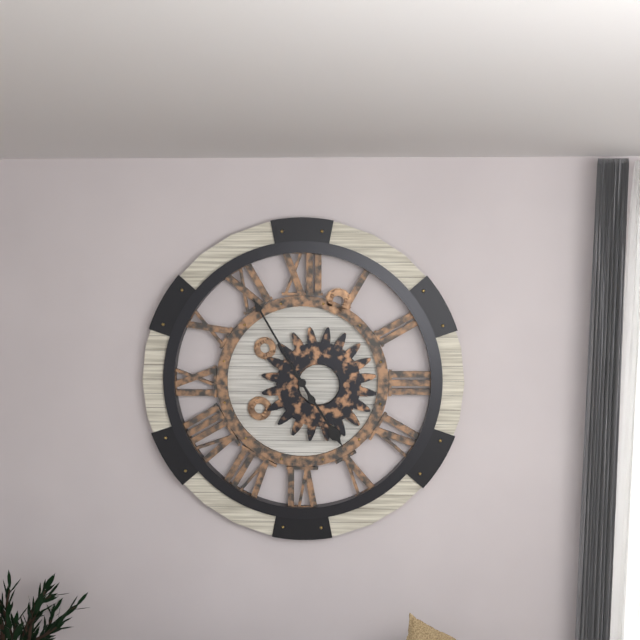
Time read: 4 h 55 min
